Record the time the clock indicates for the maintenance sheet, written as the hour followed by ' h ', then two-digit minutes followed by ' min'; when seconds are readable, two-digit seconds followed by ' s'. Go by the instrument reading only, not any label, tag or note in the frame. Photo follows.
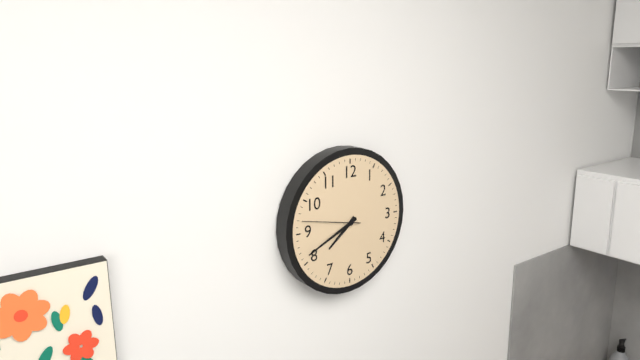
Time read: 7 h 41 min
